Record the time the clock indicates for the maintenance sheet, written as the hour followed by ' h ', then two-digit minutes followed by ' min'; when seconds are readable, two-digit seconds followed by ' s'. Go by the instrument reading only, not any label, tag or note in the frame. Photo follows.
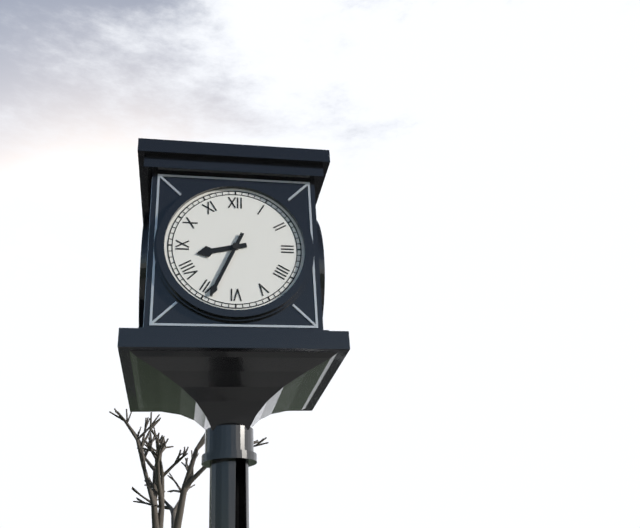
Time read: 8 h 34 min
